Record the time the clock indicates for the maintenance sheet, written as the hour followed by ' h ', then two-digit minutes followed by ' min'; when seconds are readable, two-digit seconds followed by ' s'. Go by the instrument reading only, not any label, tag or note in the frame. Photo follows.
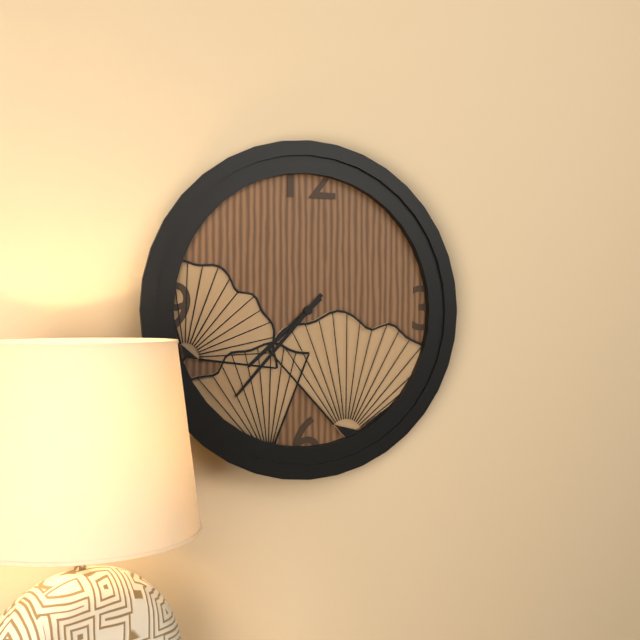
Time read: 7 h 37 min
